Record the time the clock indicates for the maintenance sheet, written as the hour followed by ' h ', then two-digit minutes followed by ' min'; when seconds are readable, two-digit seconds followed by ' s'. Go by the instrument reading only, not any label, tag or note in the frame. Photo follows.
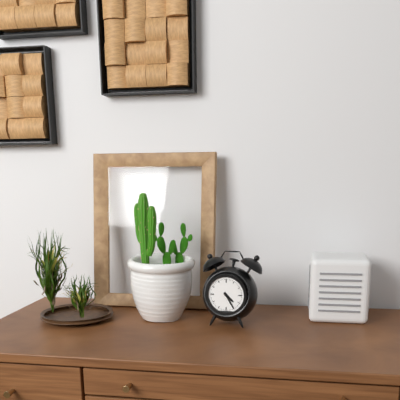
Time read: 4 h 25 min
